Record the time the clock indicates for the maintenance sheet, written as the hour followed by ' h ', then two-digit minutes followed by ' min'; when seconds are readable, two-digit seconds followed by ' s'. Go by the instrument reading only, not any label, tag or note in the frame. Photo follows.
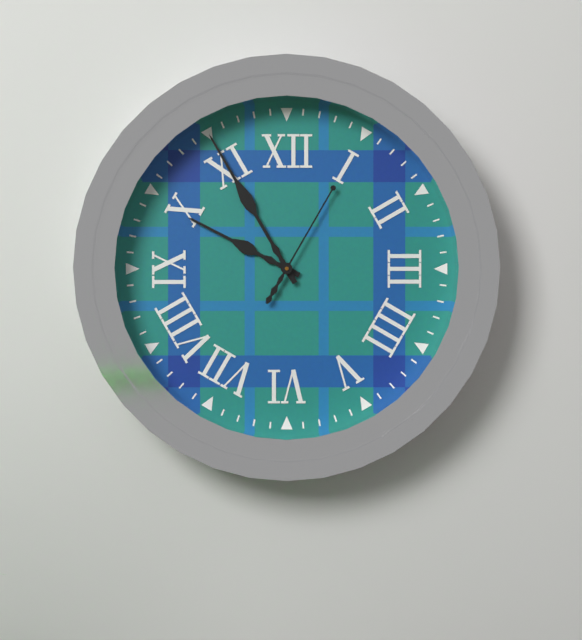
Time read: 9 h 55 min 05 s
